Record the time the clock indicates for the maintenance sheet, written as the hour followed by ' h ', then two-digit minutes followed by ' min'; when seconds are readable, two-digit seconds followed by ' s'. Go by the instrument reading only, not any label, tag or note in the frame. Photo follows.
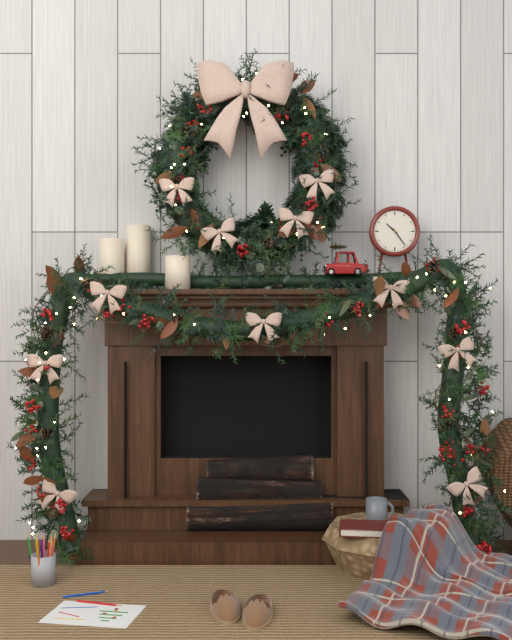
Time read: 10 h 24 min
